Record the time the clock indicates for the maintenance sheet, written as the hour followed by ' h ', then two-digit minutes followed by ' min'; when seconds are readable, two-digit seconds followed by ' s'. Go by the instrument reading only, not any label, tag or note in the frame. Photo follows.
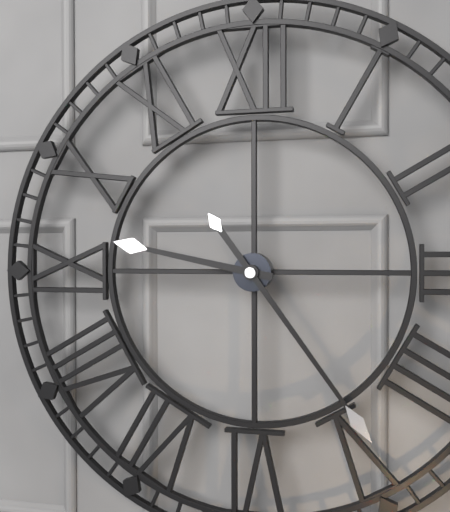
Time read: 9 h 24 min
